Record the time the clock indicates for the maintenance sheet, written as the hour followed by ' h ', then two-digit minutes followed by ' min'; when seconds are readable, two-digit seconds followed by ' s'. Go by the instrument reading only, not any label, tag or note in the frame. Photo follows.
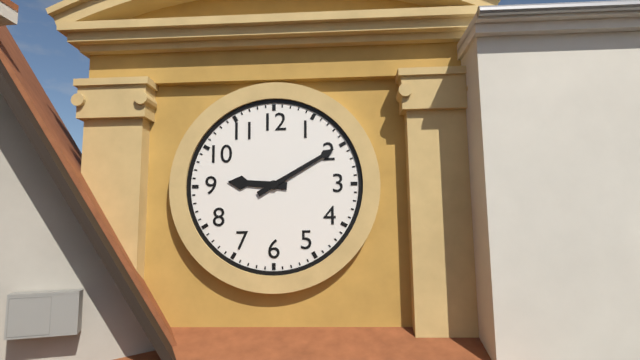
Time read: 9 h 10 min
